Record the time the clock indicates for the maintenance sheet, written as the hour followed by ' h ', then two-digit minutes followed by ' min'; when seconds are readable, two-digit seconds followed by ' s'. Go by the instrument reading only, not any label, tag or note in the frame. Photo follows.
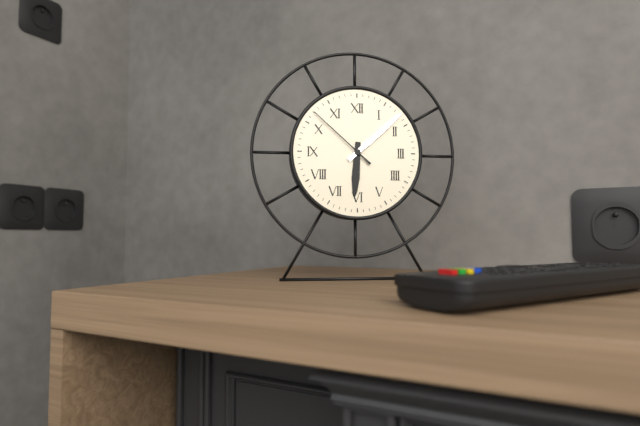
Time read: 6 h 08 min 52 s
